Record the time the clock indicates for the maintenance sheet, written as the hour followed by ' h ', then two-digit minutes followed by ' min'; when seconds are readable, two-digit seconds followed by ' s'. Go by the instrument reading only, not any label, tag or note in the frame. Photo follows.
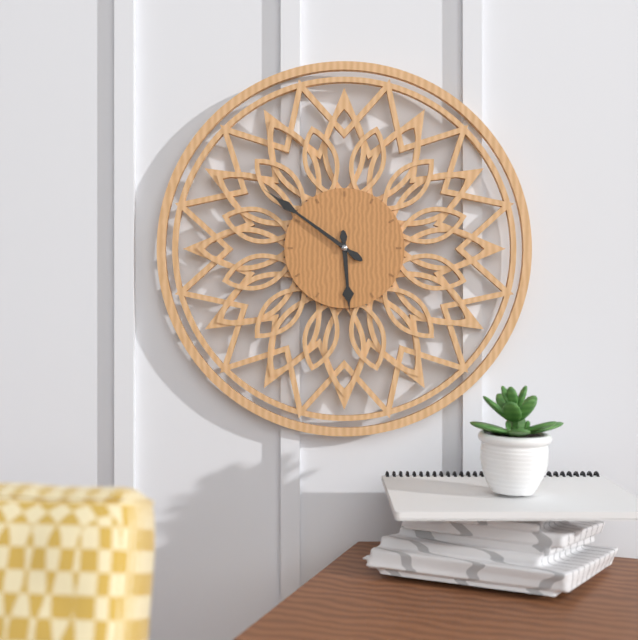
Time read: 5 h 51 min
